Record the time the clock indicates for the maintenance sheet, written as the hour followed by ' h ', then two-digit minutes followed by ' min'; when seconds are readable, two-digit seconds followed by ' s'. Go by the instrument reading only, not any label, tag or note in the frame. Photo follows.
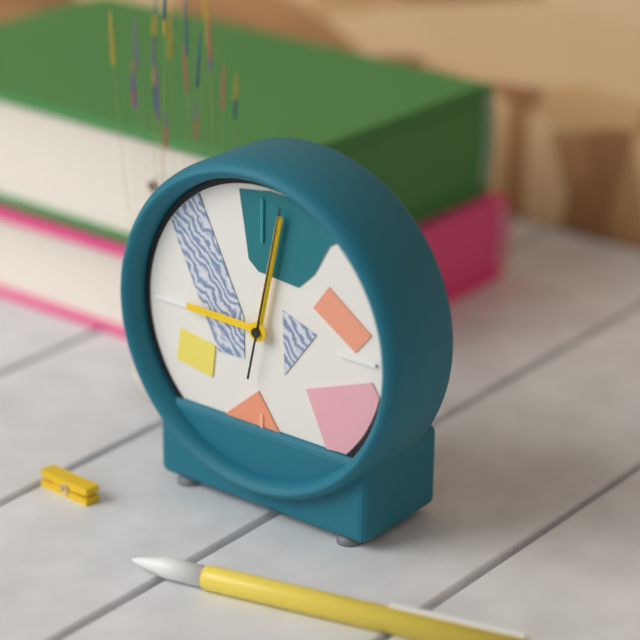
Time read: 9 h 02 min 02 s
